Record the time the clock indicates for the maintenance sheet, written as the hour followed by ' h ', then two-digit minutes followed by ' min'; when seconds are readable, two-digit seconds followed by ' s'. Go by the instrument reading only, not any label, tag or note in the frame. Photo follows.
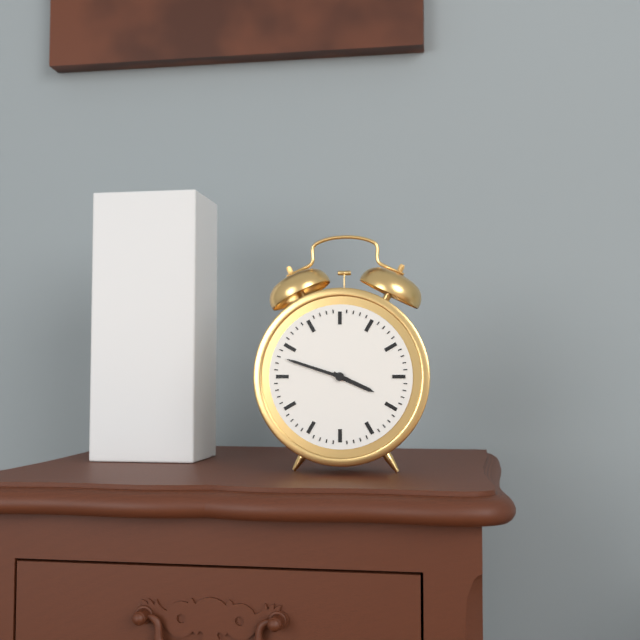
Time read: 3 h 48 min
